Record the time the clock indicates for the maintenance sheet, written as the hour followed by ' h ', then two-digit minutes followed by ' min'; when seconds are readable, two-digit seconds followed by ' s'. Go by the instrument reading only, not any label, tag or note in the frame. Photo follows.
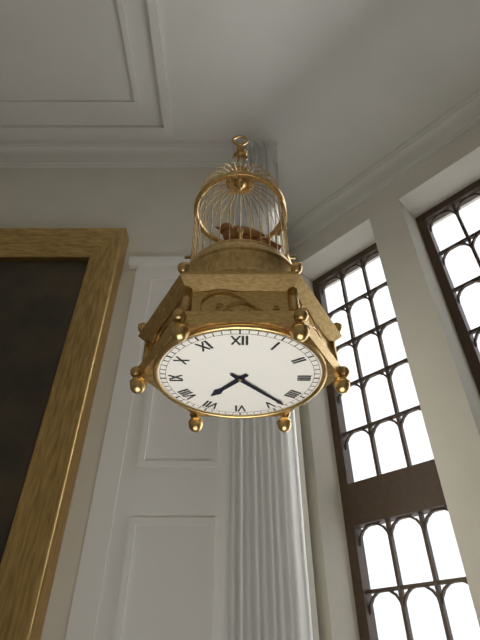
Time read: 7 h 23 min
